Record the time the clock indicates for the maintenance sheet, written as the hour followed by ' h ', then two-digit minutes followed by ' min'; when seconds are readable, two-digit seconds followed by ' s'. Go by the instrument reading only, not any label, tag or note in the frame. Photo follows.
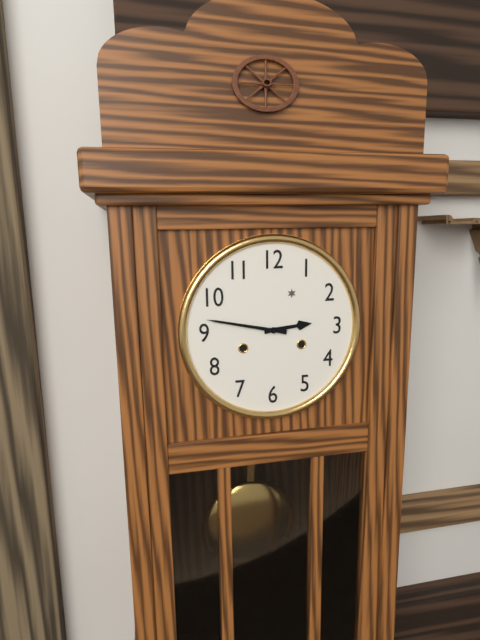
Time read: 2 h 47 min
